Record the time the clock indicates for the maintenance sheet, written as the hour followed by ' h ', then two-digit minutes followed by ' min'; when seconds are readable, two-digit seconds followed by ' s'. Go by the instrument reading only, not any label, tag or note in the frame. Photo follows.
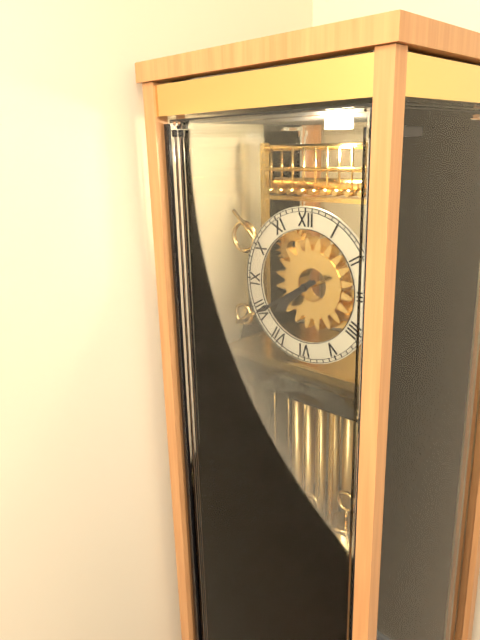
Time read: 7 h 40 min
